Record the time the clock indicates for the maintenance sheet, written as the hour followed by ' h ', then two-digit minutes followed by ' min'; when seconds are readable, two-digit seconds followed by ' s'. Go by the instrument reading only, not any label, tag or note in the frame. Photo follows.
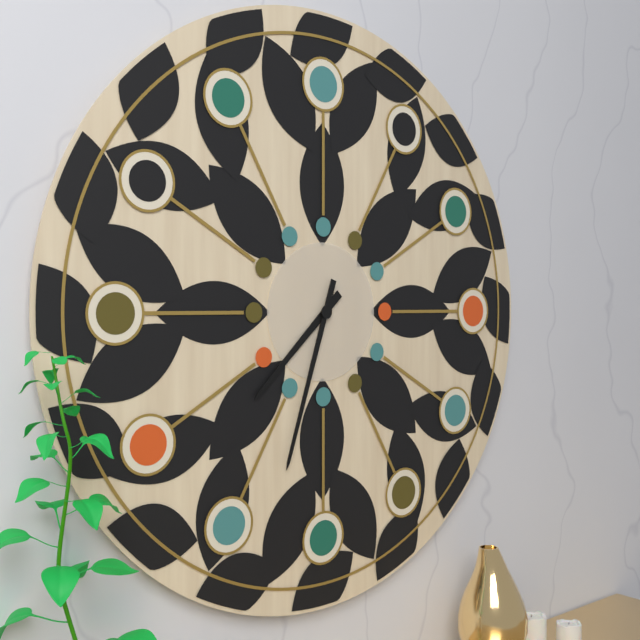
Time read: 7 h 33 min
